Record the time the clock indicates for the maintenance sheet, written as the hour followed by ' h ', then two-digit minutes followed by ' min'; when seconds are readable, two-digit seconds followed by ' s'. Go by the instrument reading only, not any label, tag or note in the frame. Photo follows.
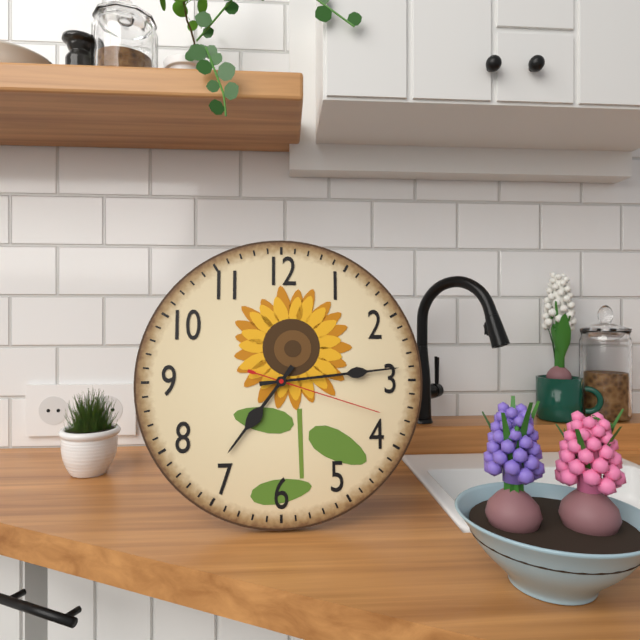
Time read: 7 h 14 min 18 s
